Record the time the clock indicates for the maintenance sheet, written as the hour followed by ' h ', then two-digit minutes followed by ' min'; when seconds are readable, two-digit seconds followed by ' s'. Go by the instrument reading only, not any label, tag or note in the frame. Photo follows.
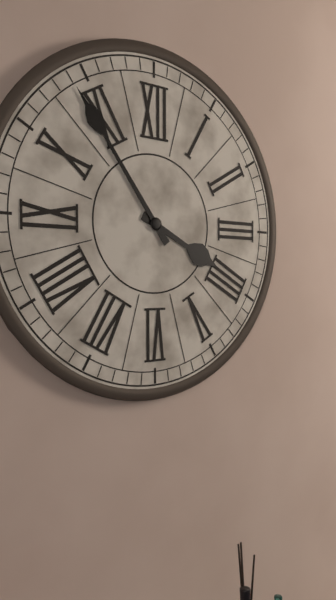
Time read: 3 h 54 min
